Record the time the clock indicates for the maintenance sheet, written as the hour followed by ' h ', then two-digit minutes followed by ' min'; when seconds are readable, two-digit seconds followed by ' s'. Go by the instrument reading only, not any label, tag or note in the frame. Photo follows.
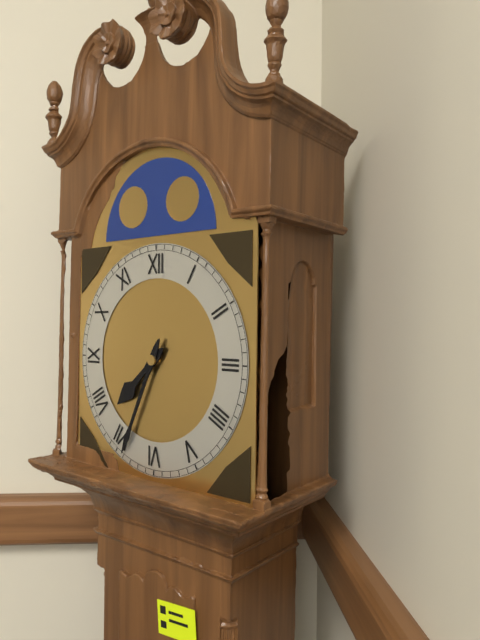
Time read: 7 h 34 min
